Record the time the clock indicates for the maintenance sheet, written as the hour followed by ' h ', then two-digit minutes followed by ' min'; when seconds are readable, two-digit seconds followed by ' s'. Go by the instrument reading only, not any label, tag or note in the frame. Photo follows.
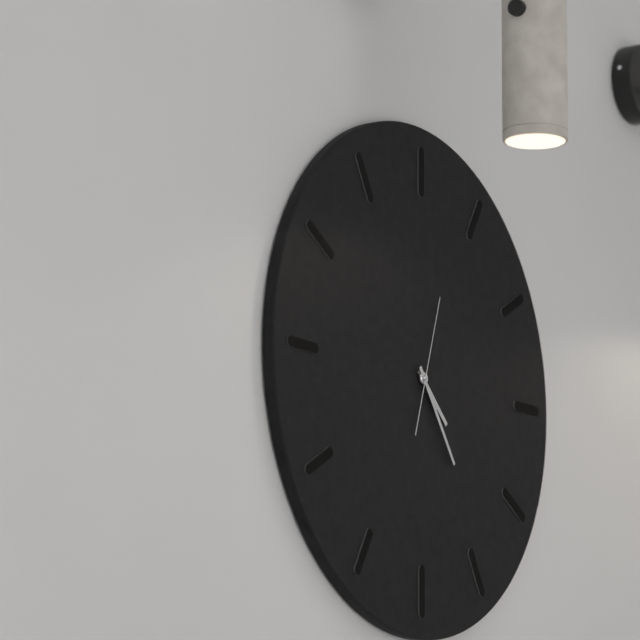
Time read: 4 h 24 min 03 s
